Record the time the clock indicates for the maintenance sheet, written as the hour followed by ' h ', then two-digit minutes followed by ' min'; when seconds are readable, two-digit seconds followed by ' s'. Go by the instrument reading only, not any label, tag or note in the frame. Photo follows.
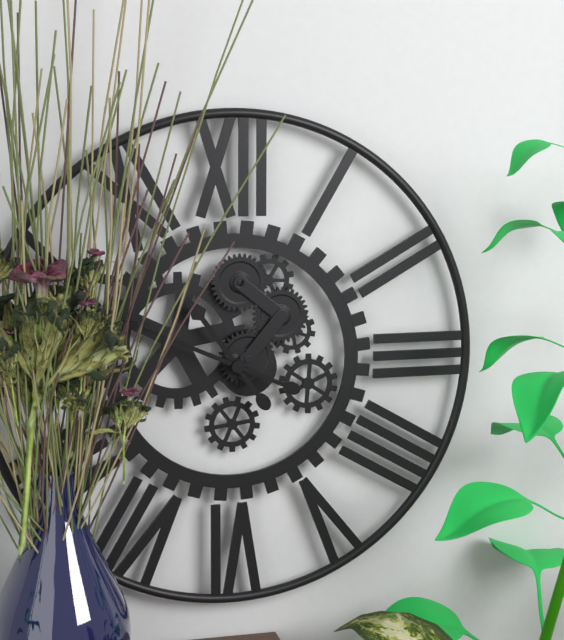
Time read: 10 h 49 min
